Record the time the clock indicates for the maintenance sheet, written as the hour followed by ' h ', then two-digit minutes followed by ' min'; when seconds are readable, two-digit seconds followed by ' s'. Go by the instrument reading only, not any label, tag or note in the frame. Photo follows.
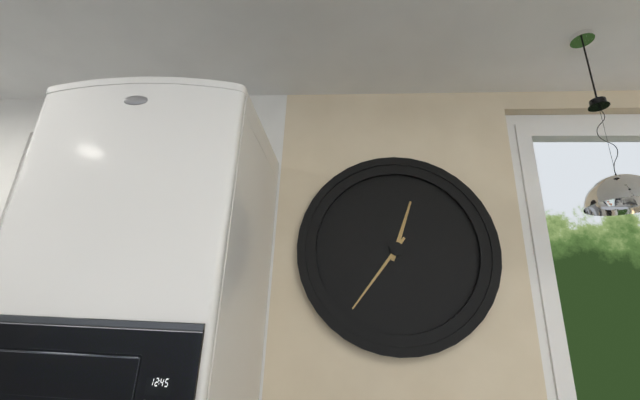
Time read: 12 h 36 min
